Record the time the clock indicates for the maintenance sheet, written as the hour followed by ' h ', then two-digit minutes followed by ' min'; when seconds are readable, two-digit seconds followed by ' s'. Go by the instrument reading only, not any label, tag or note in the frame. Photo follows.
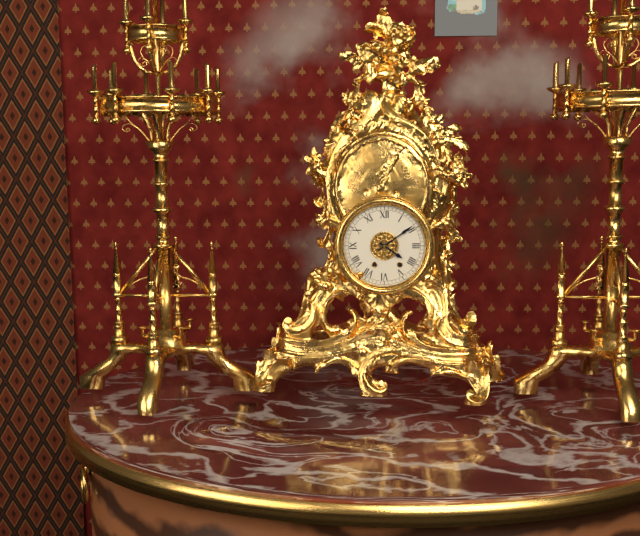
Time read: 4 h 09 min
